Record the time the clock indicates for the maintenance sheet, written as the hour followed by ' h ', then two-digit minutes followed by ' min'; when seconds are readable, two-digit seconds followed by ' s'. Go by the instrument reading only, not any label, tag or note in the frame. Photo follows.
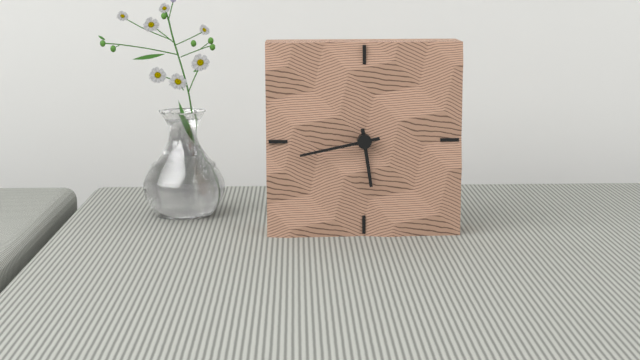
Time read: 5 h 43 min
